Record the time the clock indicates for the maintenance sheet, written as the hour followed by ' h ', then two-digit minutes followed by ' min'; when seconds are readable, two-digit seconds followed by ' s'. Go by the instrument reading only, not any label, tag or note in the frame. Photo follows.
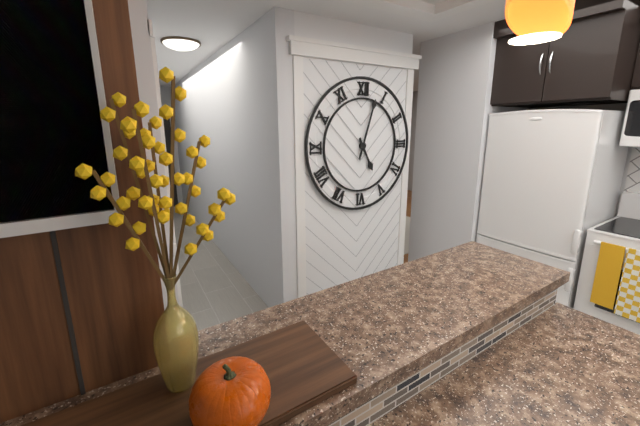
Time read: 5 h 03 min
